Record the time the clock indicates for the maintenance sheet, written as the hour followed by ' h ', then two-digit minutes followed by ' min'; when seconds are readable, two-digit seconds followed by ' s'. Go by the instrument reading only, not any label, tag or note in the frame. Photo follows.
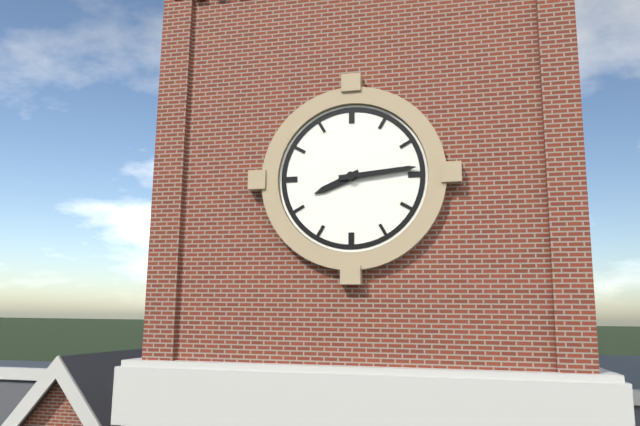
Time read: 8 h 14 min
